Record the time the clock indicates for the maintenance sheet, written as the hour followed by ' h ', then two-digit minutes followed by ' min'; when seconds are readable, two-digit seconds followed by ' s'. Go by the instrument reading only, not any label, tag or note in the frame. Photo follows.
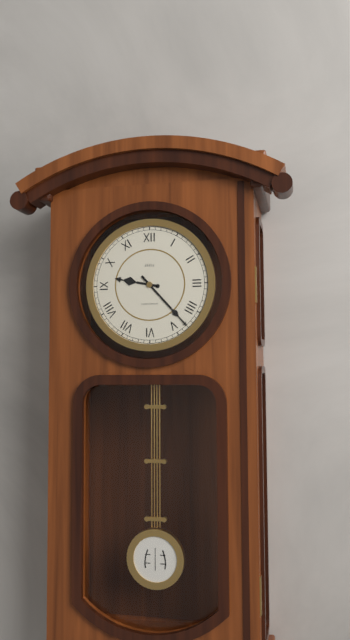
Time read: 9 h 23 min
